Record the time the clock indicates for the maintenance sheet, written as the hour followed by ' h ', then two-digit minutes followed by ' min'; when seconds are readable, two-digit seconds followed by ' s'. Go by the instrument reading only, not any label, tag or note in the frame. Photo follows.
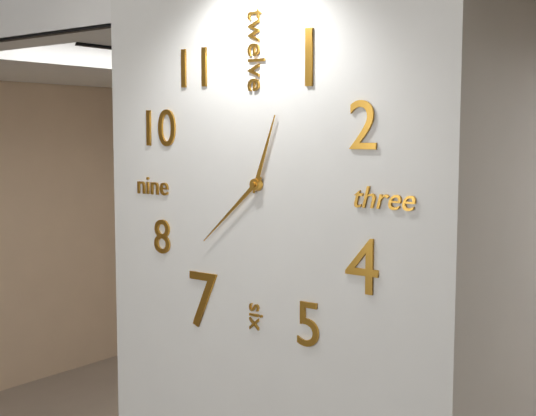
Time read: 12 h 38 min
